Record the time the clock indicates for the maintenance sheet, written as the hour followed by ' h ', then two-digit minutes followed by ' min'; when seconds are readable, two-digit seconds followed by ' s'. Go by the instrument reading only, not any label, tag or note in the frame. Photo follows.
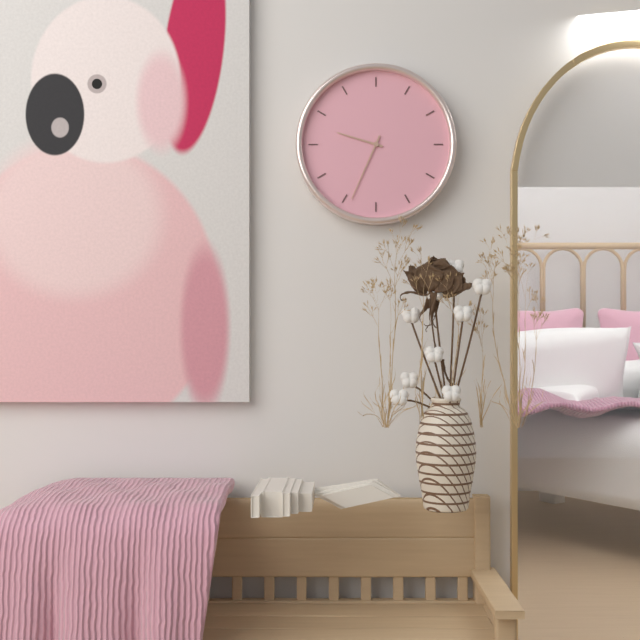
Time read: 9 h 34 min
